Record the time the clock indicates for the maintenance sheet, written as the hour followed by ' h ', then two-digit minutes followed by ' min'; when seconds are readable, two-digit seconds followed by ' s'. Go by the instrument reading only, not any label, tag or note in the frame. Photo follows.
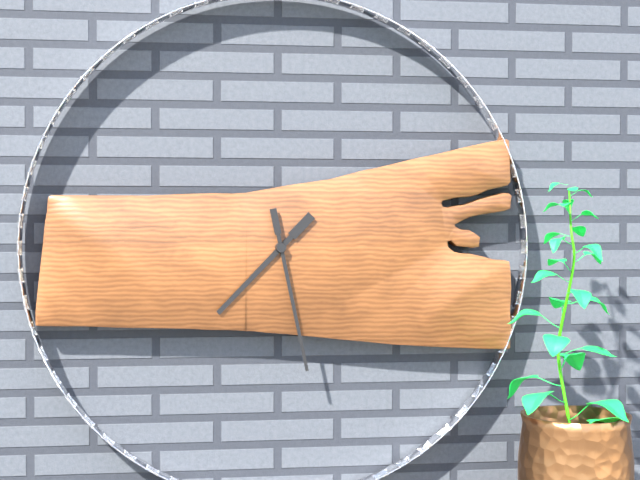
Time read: 7 h 28 min
